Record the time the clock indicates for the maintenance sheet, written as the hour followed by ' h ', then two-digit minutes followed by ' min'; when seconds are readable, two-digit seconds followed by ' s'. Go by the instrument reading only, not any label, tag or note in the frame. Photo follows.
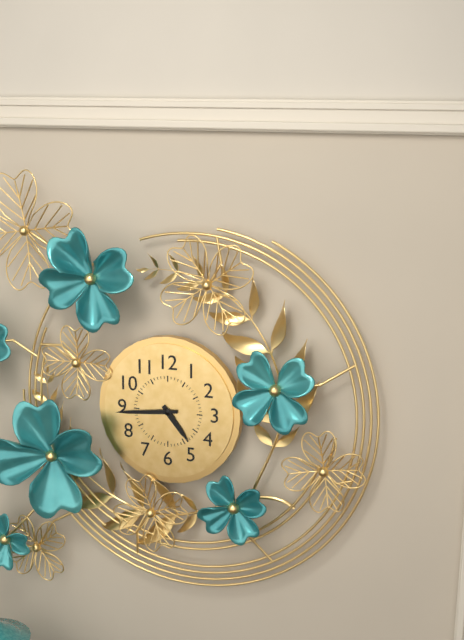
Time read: 4 h 44 min
